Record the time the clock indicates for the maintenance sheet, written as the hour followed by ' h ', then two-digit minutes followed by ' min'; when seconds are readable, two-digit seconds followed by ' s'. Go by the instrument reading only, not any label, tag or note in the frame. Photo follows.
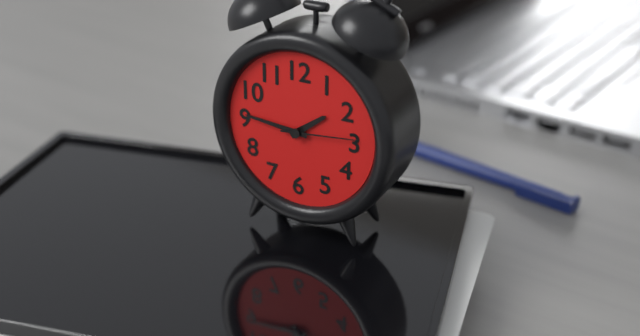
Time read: 1 h 46 min 14 s
